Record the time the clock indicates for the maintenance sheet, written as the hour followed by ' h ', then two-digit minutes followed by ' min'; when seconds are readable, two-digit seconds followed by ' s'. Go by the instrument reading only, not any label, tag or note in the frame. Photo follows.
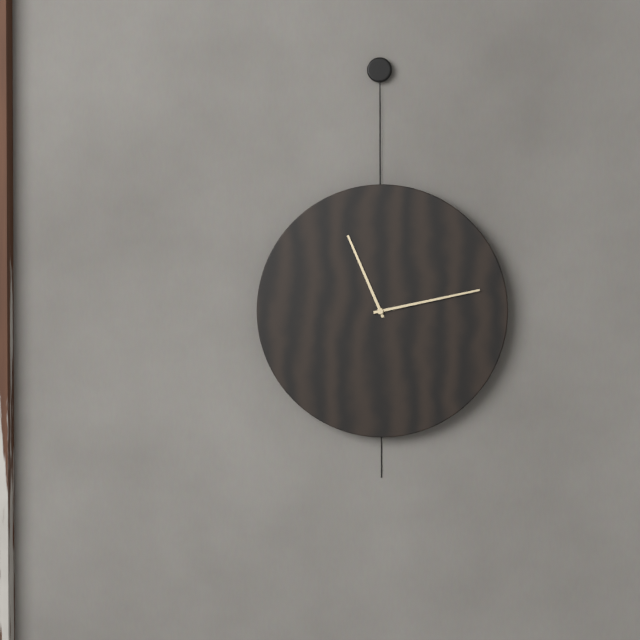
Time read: 11 h 13 min
